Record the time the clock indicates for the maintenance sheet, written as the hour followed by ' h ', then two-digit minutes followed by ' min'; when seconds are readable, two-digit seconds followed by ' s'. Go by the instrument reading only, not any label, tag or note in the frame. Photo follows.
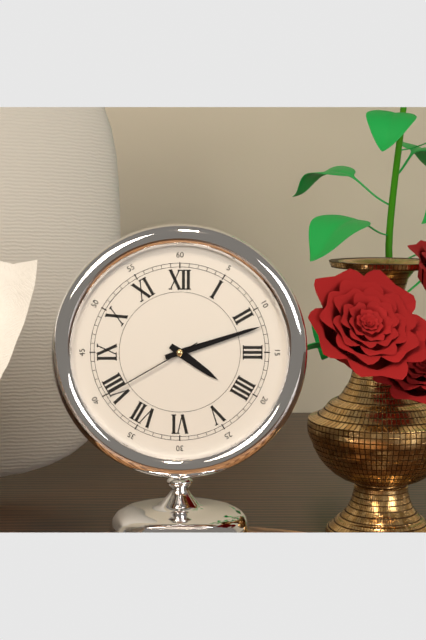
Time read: 4 h 12 min 40 s
